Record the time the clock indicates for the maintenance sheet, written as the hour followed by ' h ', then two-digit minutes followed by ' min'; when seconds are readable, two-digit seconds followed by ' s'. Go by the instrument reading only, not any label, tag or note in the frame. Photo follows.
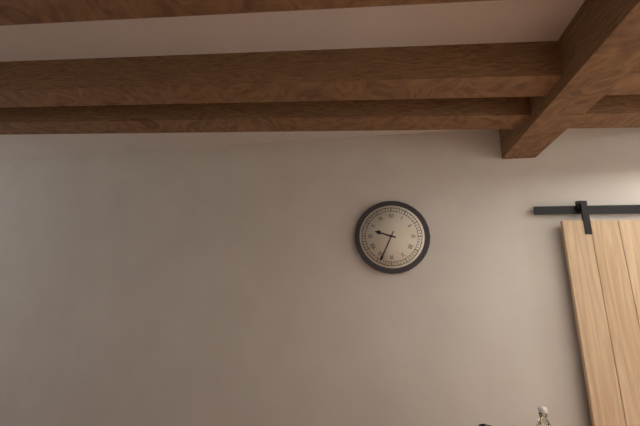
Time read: 9 h 34 min
